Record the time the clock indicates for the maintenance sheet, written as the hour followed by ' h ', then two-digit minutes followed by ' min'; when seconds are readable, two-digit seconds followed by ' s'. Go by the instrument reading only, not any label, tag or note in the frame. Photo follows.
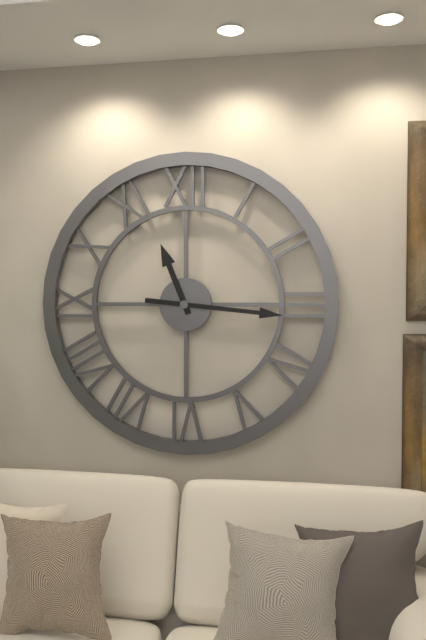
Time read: 11 h 16 min
